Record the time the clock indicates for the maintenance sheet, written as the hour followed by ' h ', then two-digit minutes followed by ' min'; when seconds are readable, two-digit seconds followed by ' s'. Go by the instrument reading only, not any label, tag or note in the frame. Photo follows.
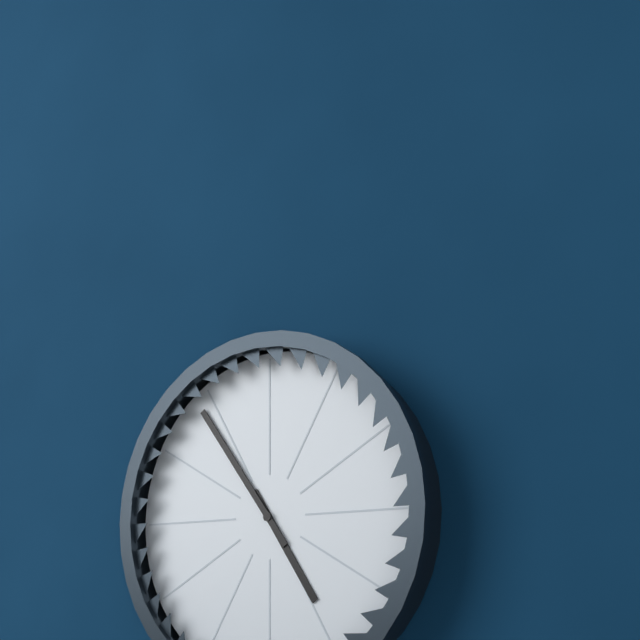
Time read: 4 h 54 min
